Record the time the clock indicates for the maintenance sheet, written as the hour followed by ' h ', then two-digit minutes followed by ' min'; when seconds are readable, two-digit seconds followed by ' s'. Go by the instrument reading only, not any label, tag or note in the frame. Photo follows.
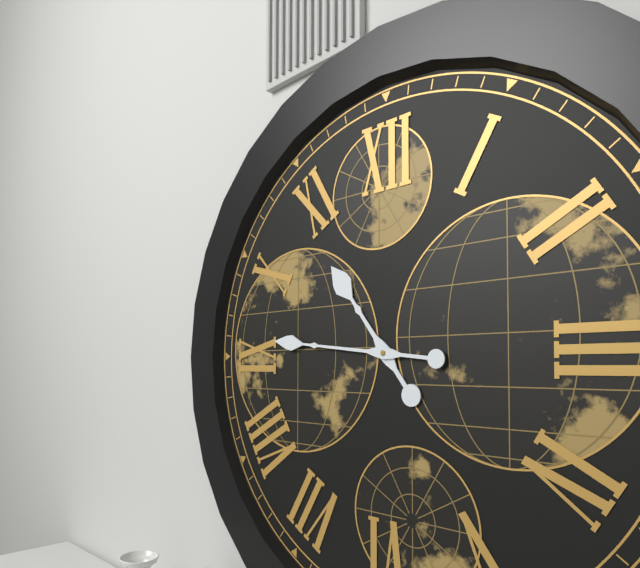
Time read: 10 h 46 min
